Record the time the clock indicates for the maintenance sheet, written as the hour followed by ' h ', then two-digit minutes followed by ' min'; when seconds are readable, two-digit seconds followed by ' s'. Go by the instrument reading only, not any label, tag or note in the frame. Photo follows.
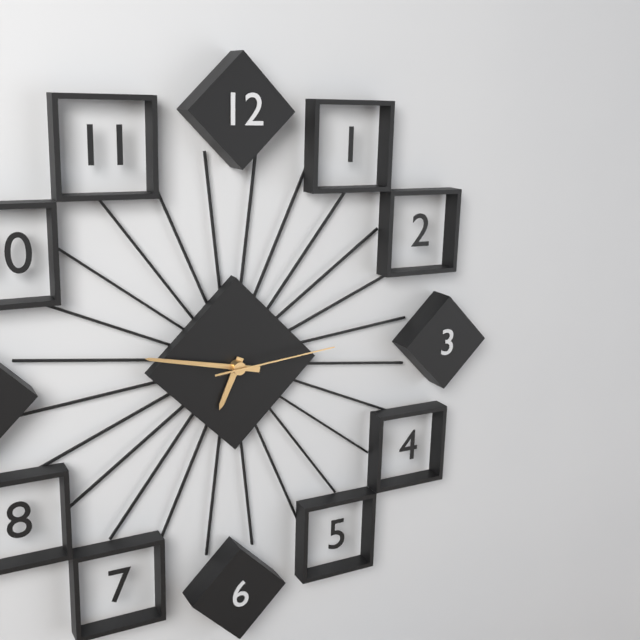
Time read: 6 h 47 min 14 s
